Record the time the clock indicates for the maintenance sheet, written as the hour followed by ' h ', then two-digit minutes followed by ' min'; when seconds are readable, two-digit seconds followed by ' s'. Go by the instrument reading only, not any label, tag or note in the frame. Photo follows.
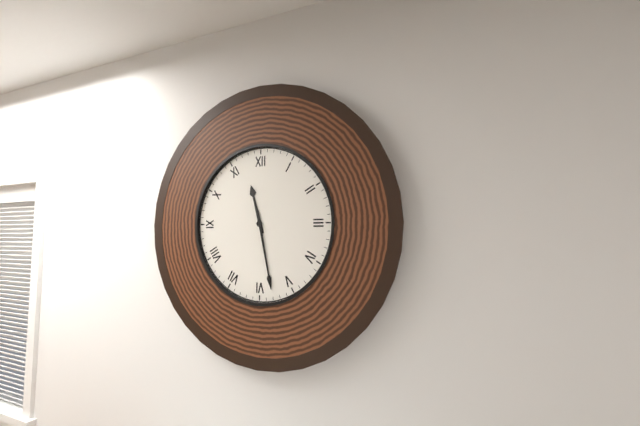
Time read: 11 h 28 min
